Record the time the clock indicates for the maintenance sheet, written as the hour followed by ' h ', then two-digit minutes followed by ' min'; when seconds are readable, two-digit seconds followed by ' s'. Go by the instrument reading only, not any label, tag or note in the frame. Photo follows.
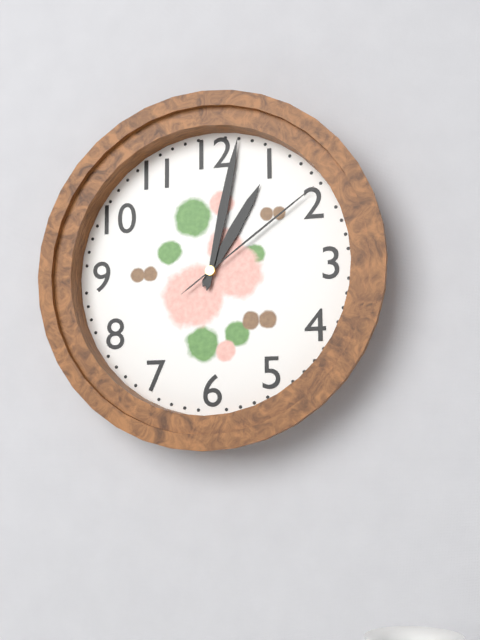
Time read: 1 h 02 min 09 s
